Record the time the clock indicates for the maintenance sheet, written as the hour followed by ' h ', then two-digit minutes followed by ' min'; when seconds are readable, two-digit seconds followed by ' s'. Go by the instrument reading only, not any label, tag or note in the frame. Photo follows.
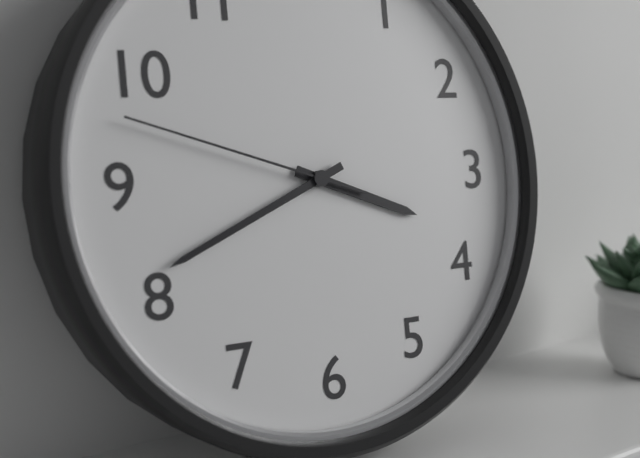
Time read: 3 h 41 min 48 s
